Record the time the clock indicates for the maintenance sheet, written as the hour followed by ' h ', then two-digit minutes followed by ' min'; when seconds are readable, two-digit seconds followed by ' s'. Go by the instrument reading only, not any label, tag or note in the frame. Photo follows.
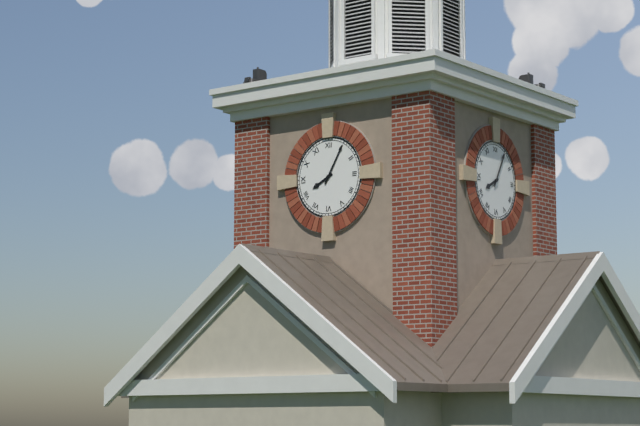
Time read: 8 h 05 min
